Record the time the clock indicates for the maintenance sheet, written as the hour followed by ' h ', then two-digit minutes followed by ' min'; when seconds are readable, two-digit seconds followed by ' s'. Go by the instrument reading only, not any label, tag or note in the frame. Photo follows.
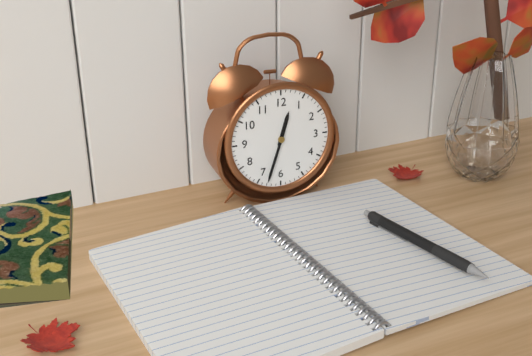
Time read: 12 h 33 min
